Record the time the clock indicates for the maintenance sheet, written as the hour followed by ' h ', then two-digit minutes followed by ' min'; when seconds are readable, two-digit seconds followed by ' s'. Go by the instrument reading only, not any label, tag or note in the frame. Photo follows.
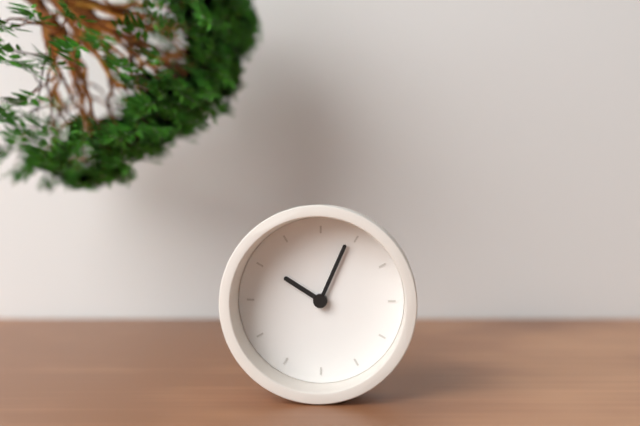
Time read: 10 h 04 min
